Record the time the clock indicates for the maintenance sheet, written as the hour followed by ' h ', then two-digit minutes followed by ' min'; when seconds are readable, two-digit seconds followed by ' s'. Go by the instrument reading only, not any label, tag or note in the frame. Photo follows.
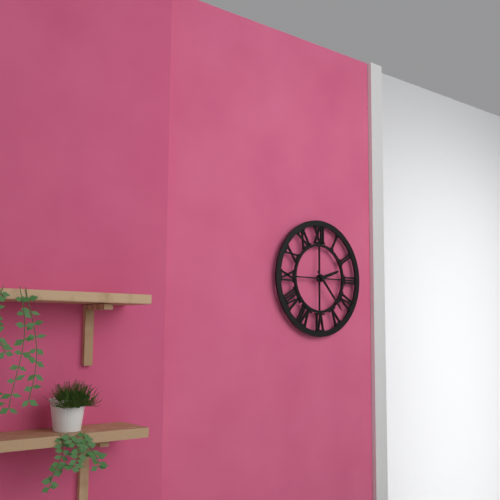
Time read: 2 h 23 min
